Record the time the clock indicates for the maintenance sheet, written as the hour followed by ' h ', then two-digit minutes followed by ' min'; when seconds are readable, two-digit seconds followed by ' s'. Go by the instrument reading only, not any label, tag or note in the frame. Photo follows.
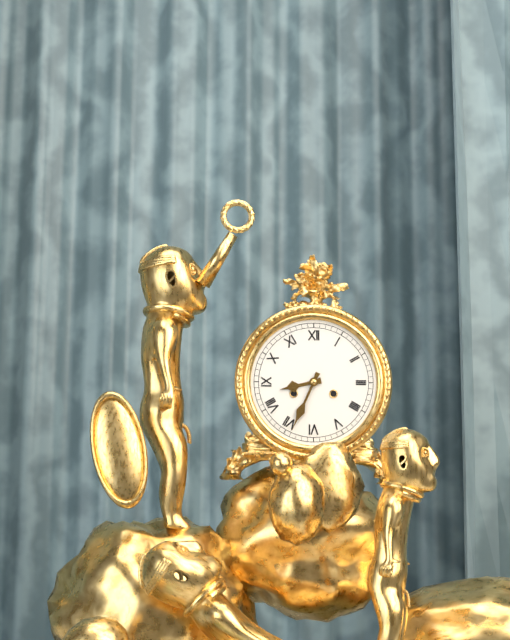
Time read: 8 h 34 min
